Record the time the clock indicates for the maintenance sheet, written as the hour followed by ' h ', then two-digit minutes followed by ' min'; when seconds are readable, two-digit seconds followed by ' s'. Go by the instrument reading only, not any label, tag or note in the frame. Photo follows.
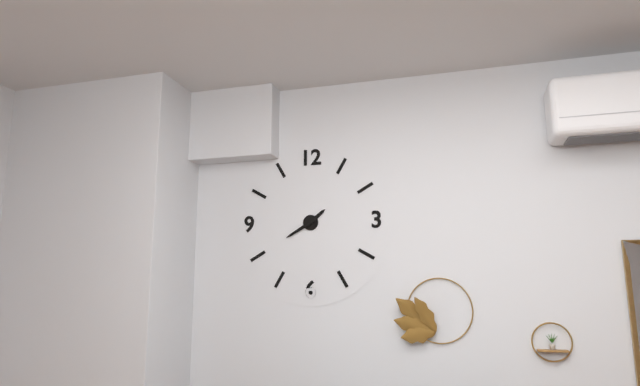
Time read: 1 h 40 min
